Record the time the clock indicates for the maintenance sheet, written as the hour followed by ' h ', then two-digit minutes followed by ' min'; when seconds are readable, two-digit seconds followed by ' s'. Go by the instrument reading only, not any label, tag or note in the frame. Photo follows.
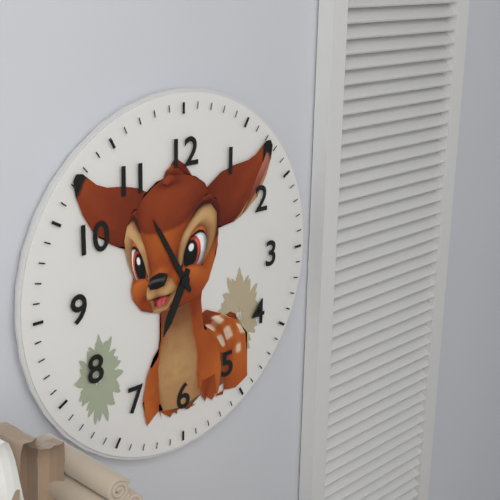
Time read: 6 h 55 min
